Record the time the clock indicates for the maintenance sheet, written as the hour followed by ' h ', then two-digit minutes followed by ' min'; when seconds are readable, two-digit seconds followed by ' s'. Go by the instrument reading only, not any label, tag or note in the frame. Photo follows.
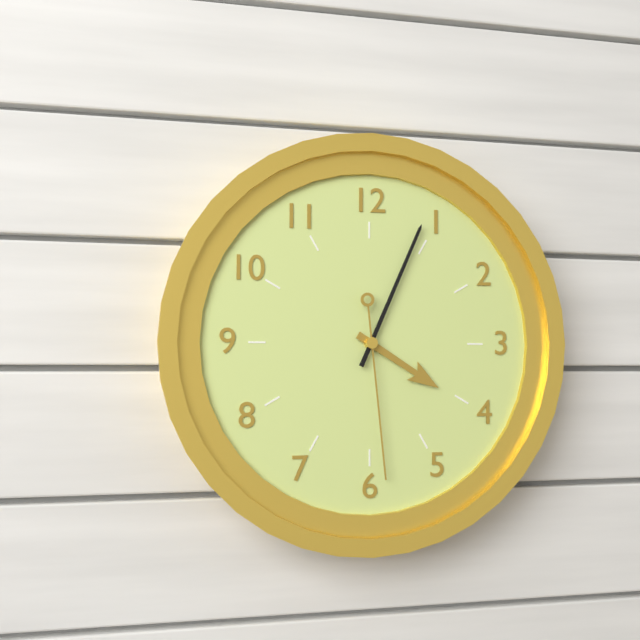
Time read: 4 h 04 min 29 s
